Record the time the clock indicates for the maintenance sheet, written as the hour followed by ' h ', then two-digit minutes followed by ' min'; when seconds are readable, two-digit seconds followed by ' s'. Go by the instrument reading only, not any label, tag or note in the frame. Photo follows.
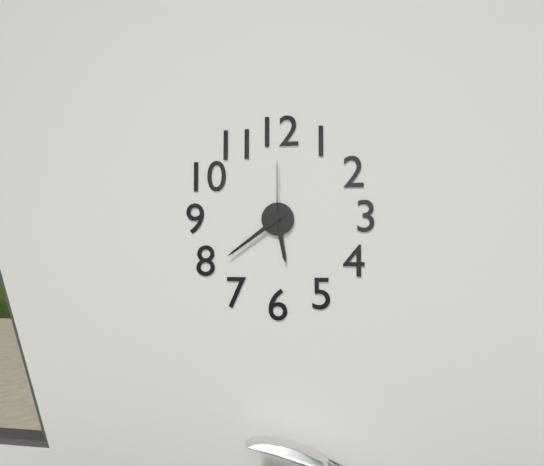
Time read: 5 h 39 min 00 s
